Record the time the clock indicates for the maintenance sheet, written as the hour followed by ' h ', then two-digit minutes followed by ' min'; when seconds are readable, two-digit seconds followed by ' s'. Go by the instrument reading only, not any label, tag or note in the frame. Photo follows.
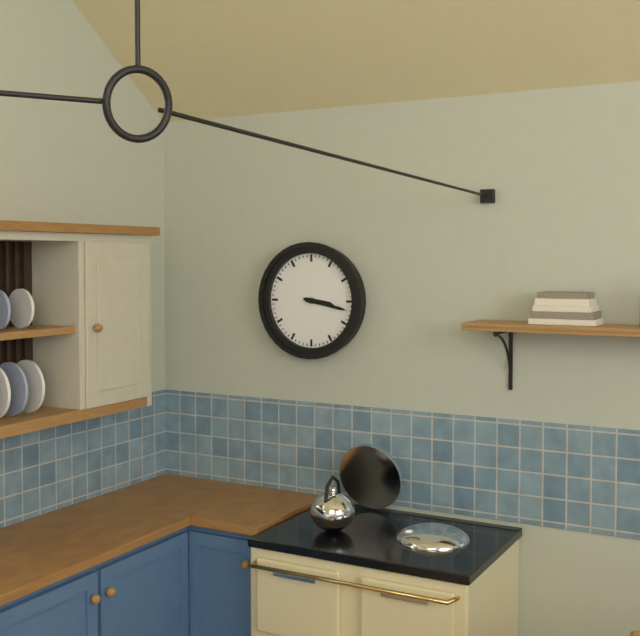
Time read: 3 h 17 min
